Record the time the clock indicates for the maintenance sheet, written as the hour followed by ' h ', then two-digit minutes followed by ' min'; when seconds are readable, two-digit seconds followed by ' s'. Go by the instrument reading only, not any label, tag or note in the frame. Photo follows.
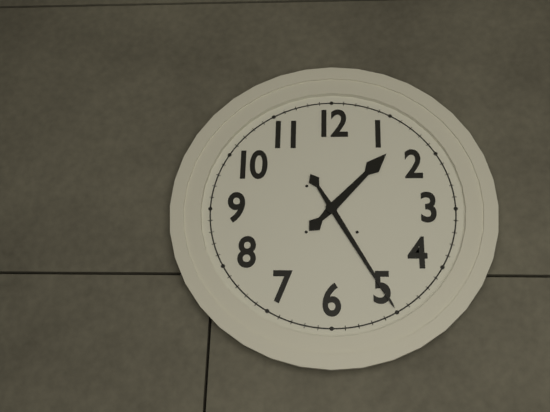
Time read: 1 h 25 min
